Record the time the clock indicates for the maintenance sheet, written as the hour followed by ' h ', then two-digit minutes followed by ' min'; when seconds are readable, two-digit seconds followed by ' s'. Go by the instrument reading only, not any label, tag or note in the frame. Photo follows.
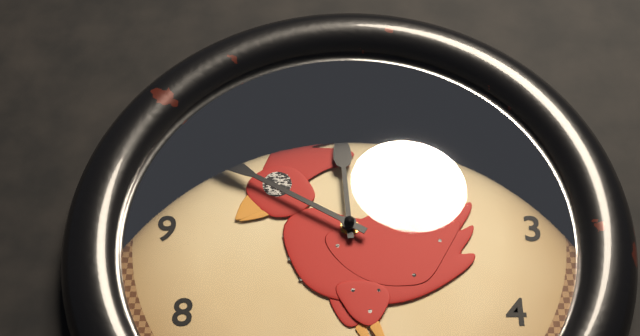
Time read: 11 h 50 min
